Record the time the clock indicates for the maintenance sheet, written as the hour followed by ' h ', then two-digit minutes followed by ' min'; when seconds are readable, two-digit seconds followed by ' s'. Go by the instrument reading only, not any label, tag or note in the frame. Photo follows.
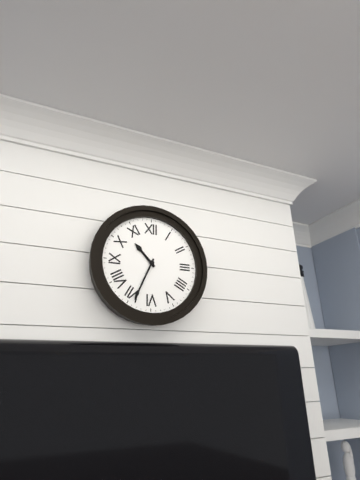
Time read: 10 h 34 min
